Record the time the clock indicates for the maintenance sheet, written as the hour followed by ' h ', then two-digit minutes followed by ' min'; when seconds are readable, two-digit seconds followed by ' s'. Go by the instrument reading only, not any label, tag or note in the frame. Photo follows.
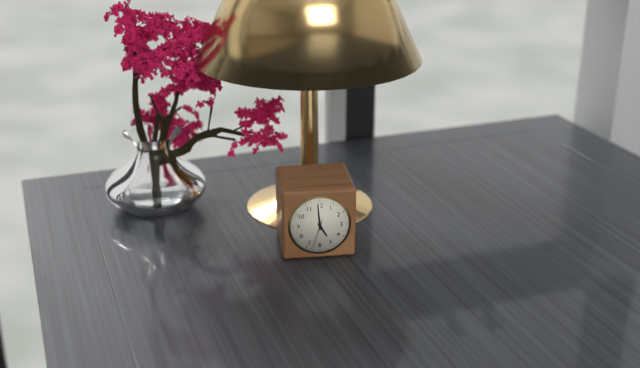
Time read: 4 h 59 min
